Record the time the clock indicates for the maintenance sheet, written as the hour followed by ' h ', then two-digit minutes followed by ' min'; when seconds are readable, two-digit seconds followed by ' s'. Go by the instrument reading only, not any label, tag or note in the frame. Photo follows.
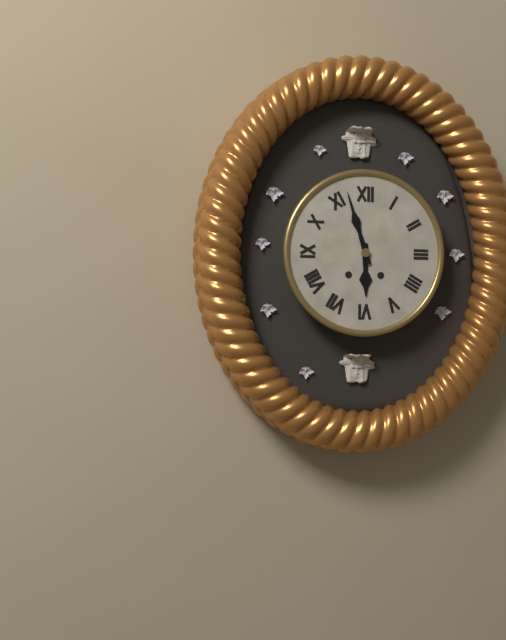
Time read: 5 h 57 min
